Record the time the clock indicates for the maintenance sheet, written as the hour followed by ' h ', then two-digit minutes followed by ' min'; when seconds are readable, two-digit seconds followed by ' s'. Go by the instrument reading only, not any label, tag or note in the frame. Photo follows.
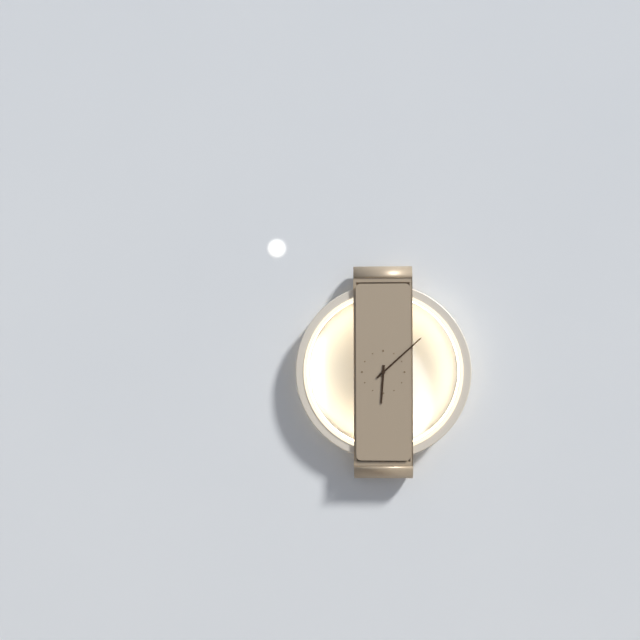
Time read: 6 h 08 min
